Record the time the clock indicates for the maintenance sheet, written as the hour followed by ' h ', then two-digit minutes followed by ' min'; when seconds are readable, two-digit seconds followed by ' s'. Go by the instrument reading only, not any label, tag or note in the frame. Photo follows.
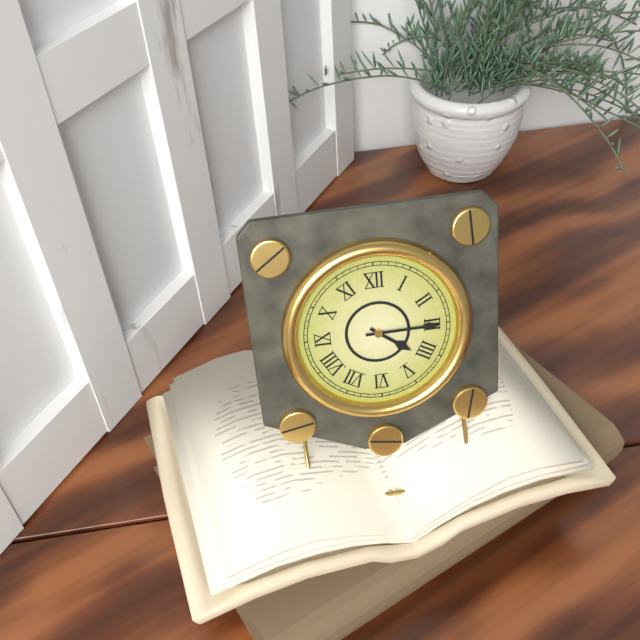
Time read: 4 h 15 min
